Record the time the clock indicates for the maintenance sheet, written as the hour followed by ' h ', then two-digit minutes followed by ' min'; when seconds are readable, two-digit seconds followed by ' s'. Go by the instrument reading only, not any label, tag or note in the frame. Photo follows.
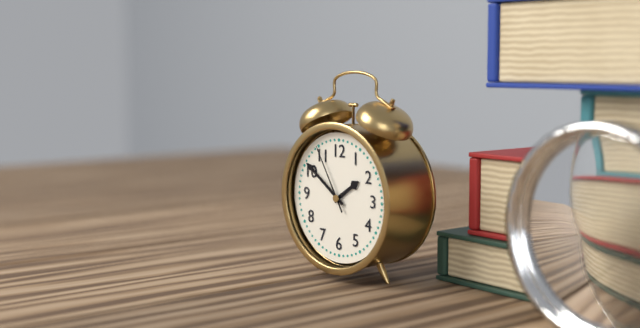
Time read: 1 h 51 min 55 s
